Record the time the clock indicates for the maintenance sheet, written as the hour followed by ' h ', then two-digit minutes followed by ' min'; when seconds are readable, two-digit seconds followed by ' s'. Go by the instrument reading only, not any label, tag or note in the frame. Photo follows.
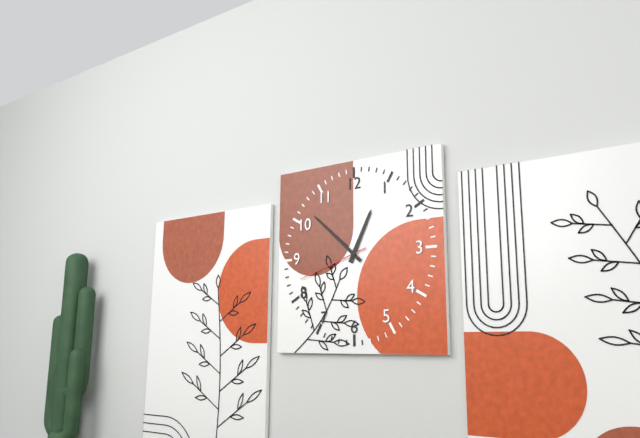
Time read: 12 h 52 min 42 s
